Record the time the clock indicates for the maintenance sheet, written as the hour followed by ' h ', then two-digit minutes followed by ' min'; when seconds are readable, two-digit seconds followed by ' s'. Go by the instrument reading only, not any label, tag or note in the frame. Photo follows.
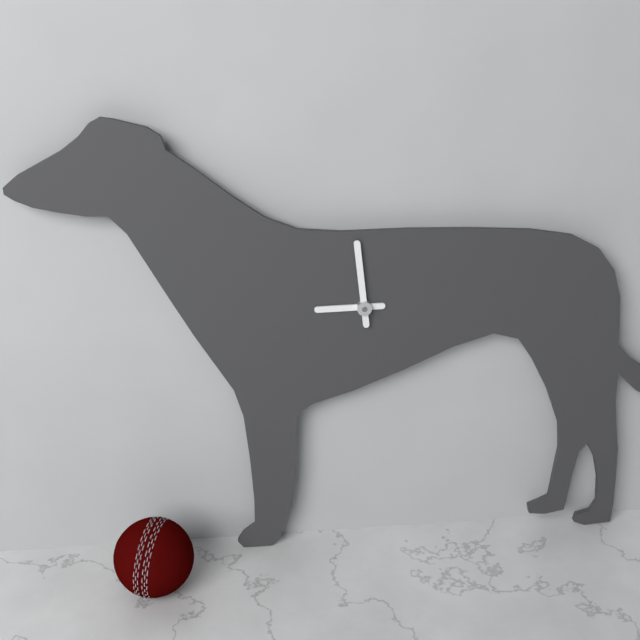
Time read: 8 h 59 min
